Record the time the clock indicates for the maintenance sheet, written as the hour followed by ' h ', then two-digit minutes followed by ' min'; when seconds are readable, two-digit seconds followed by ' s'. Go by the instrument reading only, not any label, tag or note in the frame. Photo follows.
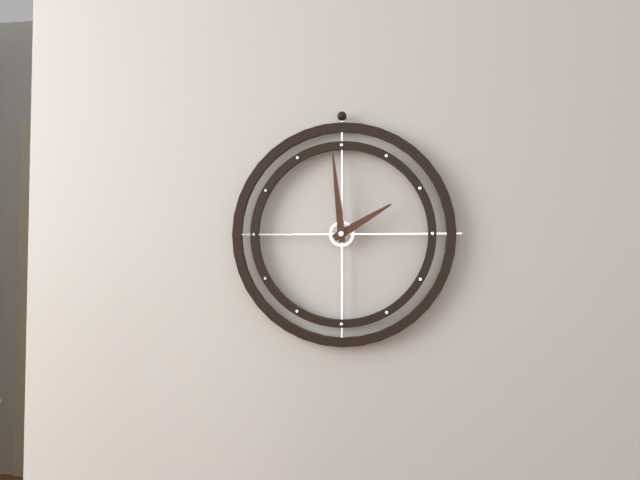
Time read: 1 h 59 min
